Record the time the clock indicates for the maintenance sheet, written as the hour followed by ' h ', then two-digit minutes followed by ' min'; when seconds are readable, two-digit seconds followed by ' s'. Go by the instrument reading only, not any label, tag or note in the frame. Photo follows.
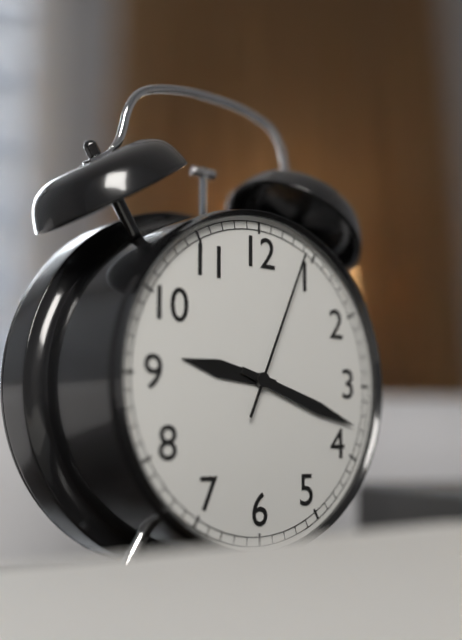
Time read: 9 h 18 min 04 s
